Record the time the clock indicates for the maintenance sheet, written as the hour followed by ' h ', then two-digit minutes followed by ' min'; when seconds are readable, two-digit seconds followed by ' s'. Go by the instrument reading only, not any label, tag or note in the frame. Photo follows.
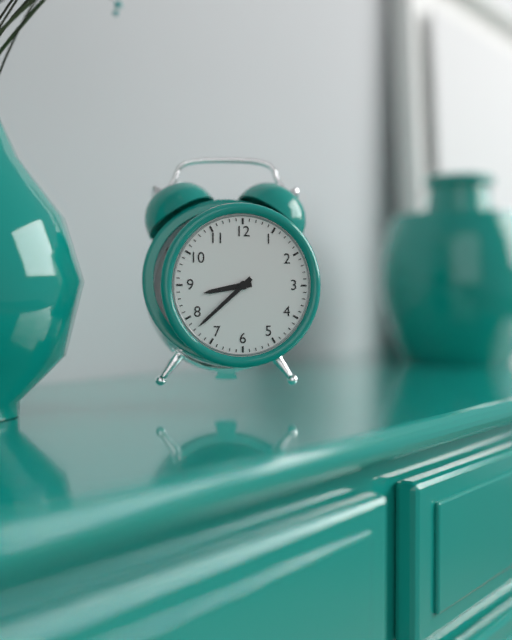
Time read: 8 h 38 min
